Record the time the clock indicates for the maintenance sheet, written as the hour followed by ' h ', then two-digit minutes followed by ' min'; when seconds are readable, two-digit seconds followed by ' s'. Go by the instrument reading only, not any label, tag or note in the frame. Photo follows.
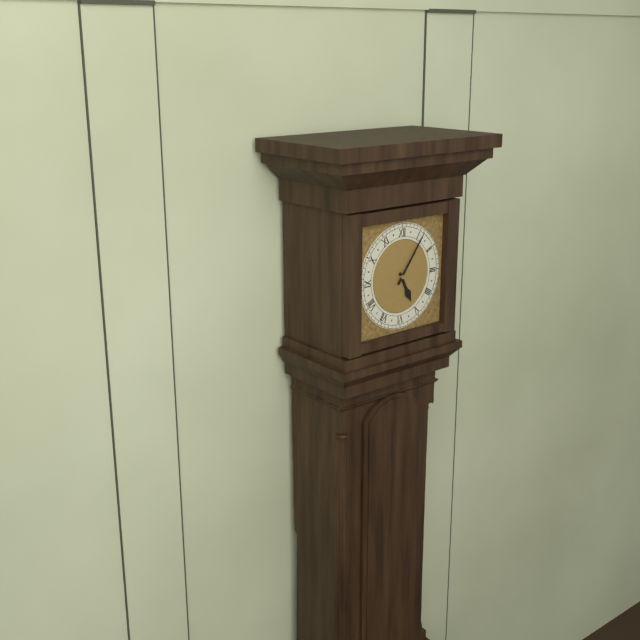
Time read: 5 h 06 min
